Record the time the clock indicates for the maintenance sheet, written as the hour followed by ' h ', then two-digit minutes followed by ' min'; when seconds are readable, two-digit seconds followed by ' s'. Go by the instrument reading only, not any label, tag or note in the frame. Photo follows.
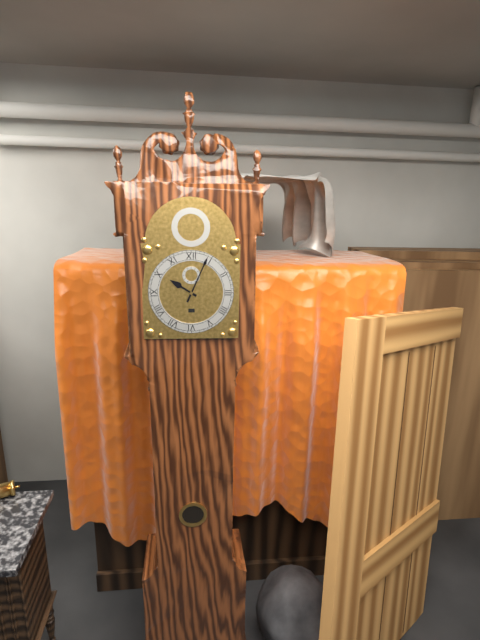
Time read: 10 h 04 min
